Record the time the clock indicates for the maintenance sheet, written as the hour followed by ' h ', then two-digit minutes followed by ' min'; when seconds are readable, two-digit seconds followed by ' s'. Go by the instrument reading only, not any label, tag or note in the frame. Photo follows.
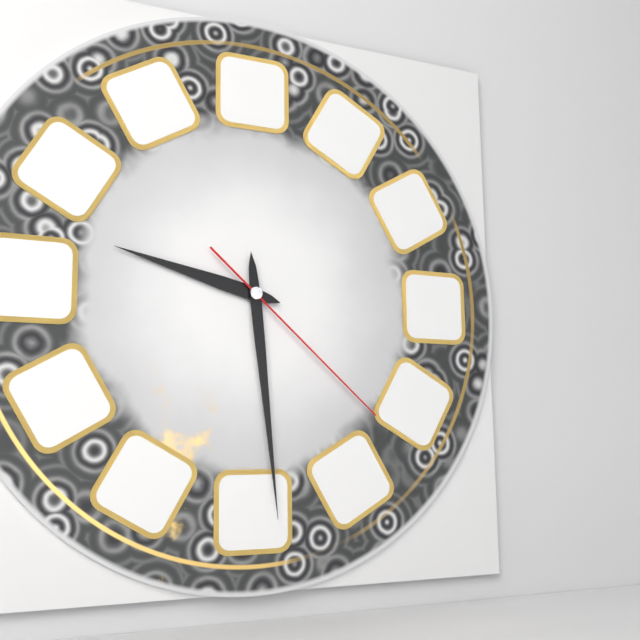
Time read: 9 h 29 min 22 s
